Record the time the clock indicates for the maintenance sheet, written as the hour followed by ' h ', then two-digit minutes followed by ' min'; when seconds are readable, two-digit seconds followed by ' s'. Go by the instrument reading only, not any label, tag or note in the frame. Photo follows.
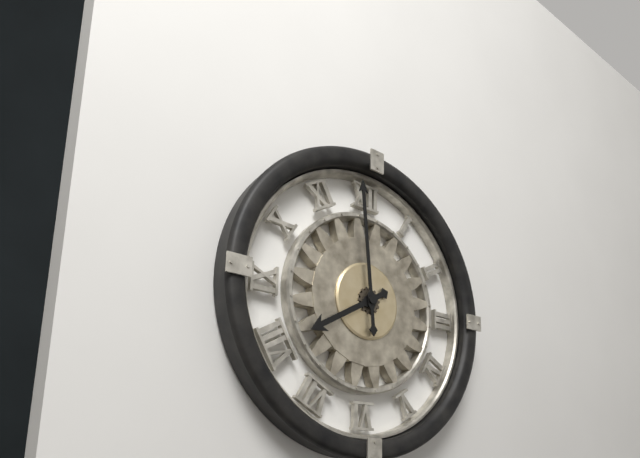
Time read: 7 h 59 min
